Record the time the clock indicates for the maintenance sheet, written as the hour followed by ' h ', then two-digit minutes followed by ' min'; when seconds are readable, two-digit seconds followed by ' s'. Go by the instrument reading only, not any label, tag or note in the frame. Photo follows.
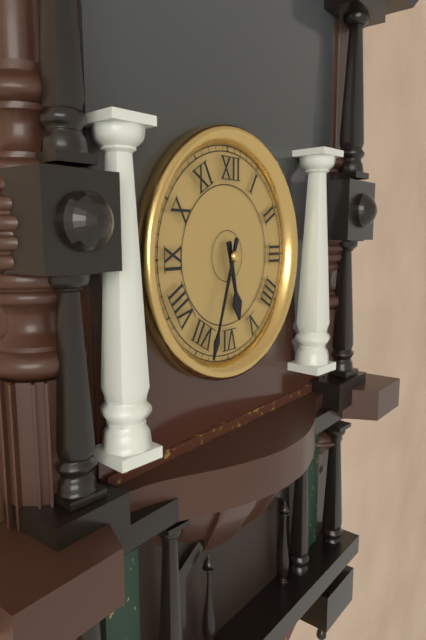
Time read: 5 h 33 min
